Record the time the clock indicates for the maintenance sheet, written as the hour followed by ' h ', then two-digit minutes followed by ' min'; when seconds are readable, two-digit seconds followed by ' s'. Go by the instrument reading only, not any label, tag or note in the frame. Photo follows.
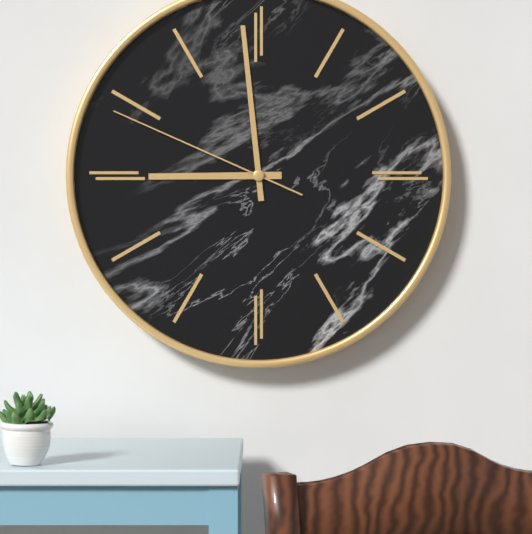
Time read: 8 h 59 min 49 s
